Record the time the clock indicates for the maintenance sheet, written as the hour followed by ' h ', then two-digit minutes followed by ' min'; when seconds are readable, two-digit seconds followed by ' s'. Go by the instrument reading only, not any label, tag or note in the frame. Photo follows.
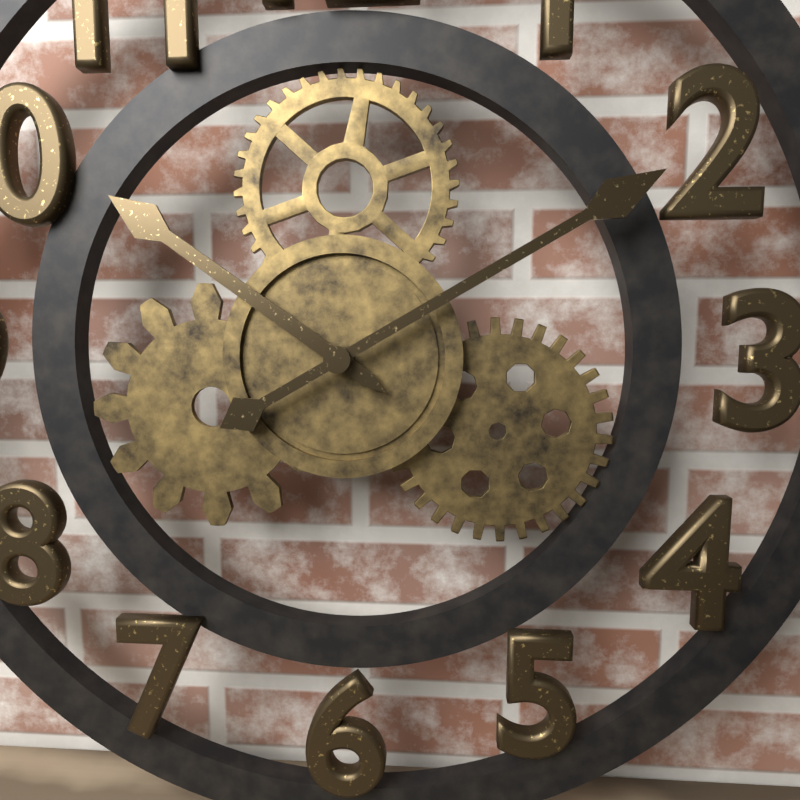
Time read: 10 h 10 min
